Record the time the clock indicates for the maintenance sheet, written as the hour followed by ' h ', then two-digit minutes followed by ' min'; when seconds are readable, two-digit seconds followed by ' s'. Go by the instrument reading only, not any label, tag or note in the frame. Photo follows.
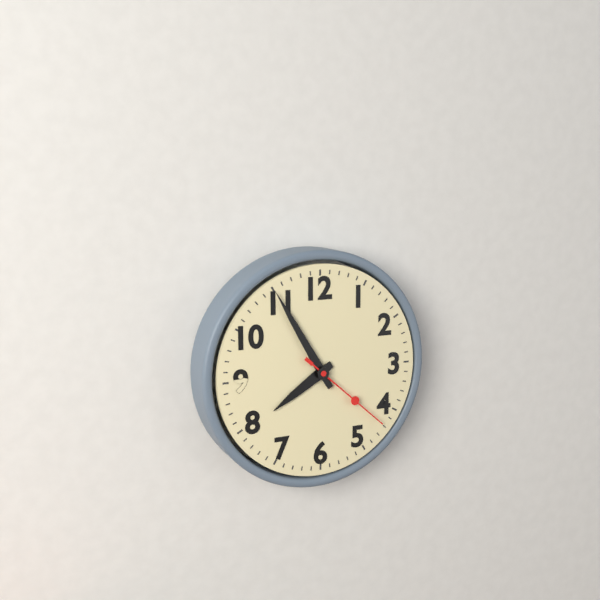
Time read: 7 h 55 min 22 s
